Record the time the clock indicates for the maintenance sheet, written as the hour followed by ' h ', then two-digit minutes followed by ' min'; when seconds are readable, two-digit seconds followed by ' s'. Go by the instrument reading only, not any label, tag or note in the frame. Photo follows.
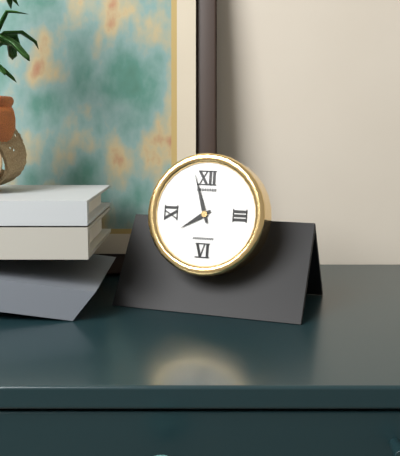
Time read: 7 h 57 min
